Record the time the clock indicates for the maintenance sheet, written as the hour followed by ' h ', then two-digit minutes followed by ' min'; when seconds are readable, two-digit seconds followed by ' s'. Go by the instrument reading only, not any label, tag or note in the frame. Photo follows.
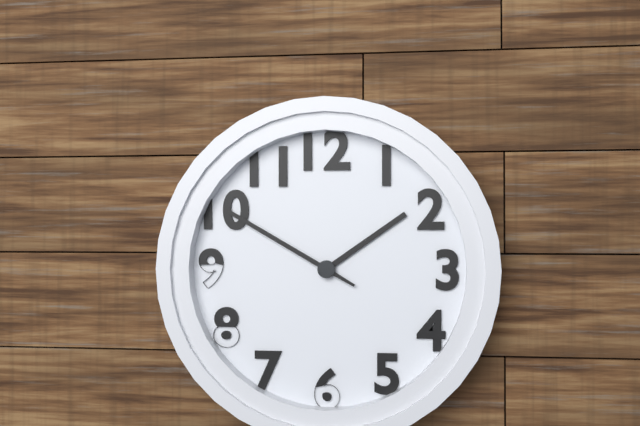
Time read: 1 h 50 min
